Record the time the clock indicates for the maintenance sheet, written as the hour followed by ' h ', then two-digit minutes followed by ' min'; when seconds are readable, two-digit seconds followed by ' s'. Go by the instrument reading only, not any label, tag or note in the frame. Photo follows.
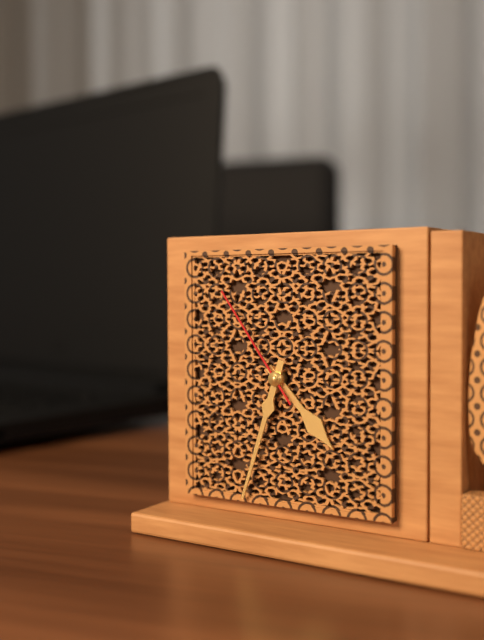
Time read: 4 h 33 min 54 s
